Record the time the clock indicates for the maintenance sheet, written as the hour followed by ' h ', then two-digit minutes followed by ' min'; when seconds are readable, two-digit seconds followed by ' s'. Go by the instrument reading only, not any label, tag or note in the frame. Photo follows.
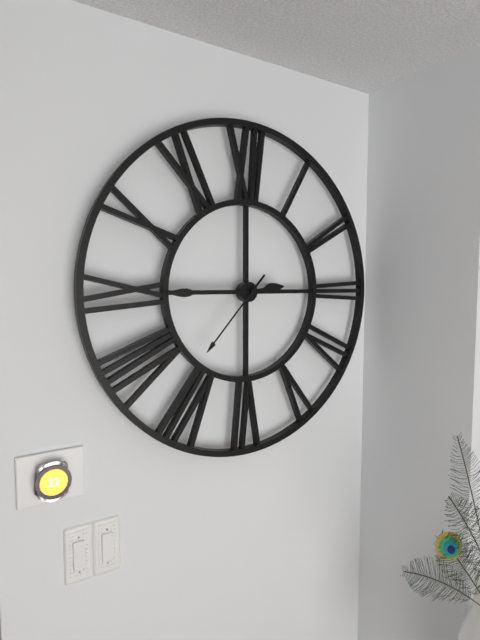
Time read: 2 h 45 min 37 s
